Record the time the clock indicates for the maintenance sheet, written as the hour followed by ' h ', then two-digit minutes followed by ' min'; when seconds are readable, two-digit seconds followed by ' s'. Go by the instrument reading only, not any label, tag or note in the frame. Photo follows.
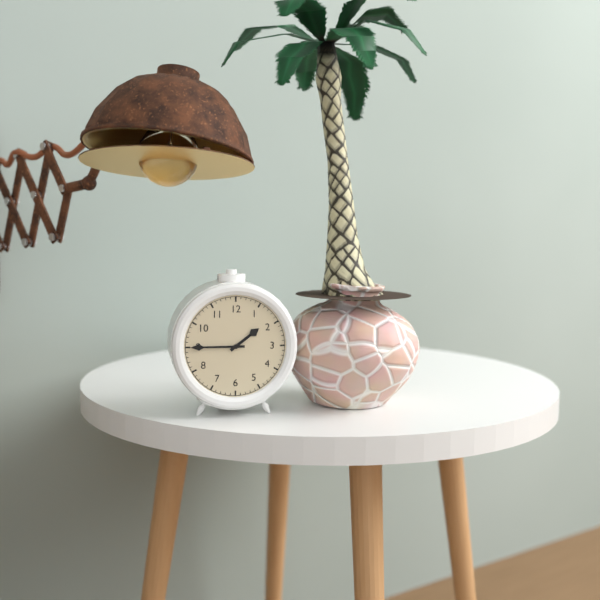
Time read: 1 h 45 min
